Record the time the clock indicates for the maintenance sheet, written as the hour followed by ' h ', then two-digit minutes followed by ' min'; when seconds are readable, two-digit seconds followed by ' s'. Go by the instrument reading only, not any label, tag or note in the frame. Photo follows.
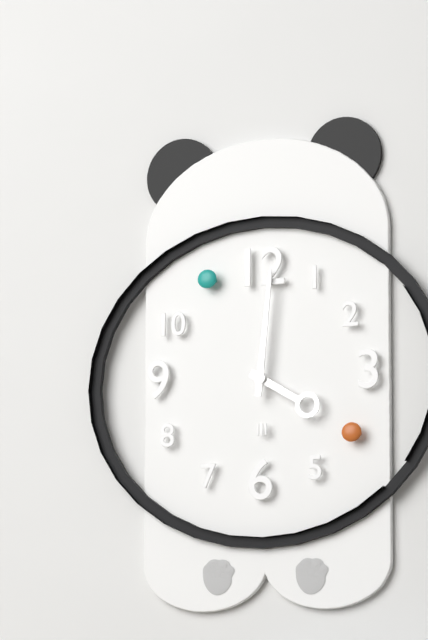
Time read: 4 h 01 min
